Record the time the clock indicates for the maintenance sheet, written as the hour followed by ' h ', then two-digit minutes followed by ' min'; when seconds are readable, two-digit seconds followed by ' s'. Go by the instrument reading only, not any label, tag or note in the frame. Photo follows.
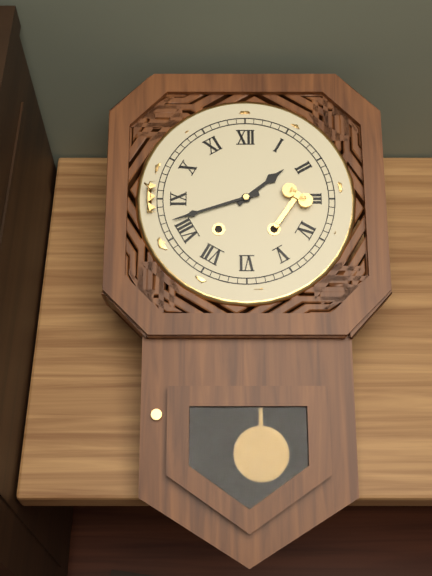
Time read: 1 h 42 min
